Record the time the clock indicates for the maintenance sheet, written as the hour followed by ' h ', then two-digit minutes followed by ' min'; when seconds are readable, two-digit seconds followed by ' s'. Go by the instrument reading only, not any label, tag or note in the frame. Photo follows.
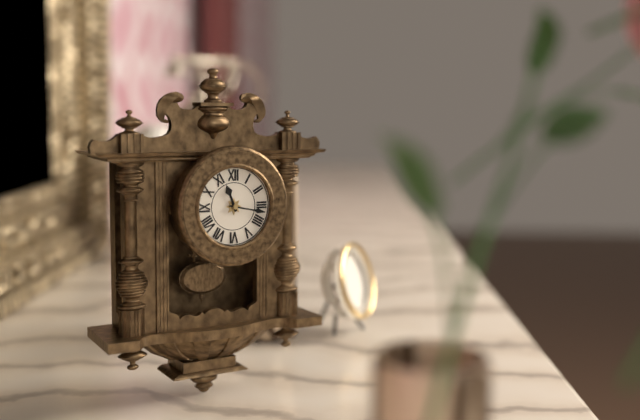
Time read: 11 h 17 min
